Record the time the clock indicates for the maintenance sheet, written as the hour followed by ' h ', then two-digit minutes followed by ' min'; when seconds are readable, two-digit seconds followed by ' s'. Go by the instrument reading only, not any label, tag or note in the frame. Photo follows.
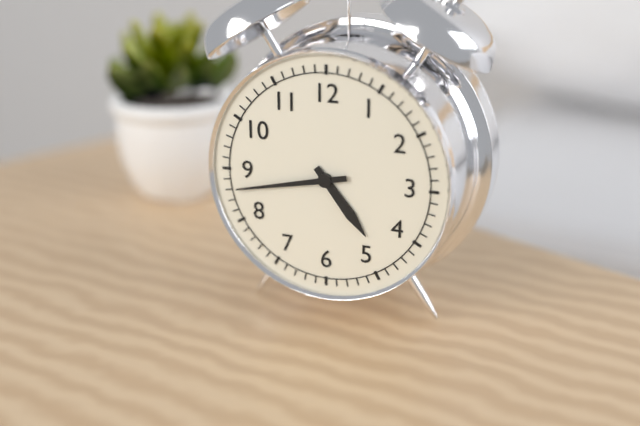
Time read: 4 h 43 min
